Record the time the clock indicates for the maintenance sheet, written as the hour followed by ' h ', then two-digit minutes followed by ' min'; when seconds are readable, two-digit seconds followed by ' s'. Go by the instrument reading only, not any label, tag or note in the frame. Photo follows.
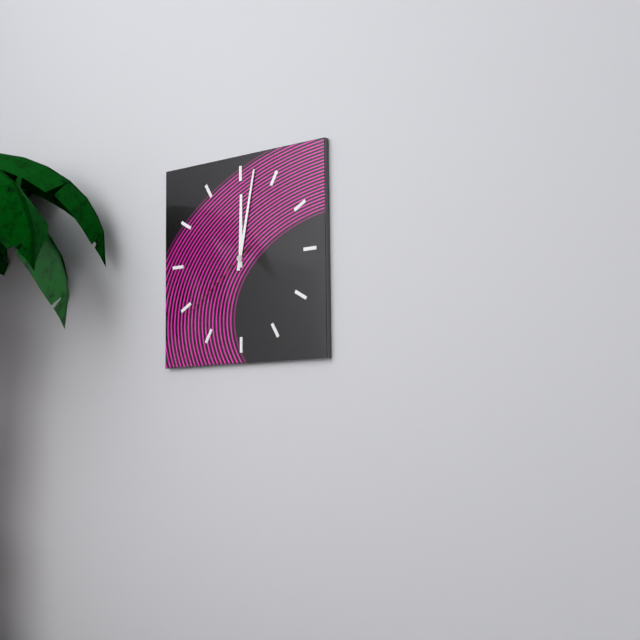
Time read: 12 h 02 min 39 s
